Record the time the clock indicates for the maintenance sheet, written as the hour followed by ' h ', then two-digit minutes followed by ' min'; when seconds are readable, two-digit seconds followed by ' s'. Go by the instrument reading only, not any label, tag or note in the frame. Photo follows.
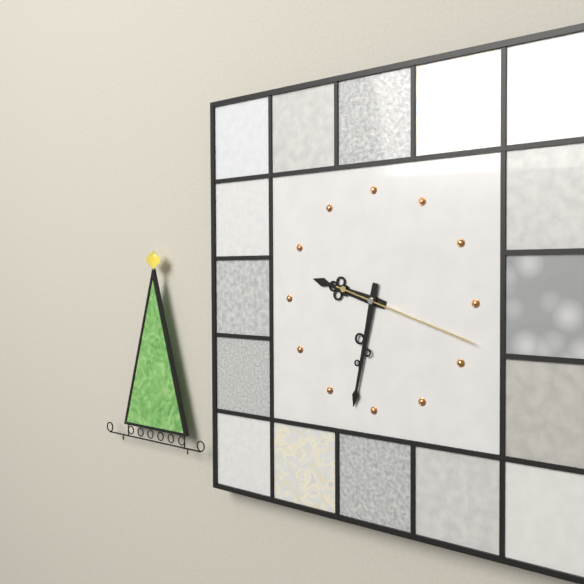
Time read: 9 h 32 min 18 s
